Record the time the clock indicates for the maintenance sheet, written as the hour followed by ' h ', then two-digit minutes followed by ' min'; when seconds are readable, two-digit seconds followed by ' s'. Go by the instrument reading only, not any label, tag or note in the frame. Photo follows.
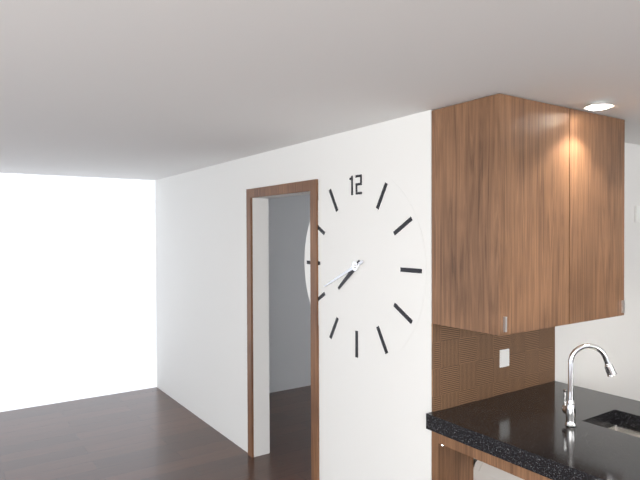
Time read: 7 h 41 min
